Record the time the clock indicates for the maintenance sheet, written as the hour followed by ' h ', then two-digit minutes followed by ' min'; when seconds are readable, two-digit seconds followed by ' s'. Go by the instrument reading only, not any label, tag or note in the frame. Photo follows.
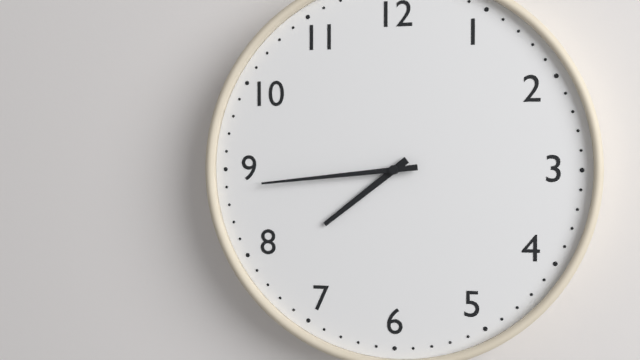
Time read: 7 h 44 min
